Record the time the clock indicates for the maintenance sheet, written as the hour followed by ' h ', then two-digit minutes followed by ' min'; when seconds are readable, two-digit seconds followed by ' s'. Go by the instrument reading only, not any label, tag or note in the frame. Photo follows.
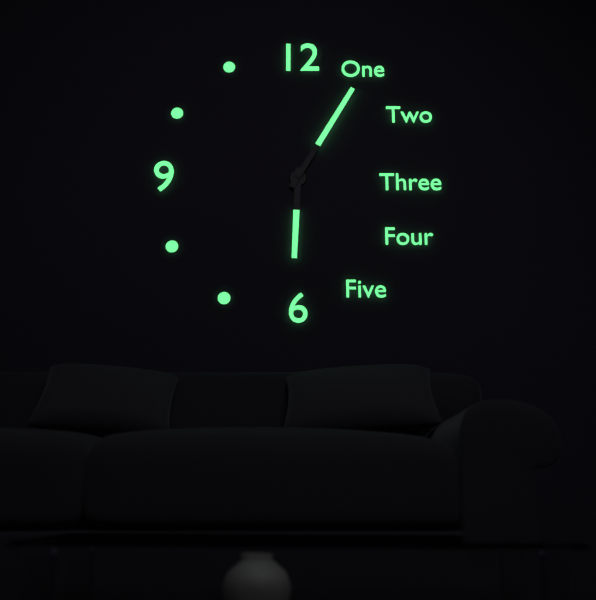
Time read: 6 h 05 min
